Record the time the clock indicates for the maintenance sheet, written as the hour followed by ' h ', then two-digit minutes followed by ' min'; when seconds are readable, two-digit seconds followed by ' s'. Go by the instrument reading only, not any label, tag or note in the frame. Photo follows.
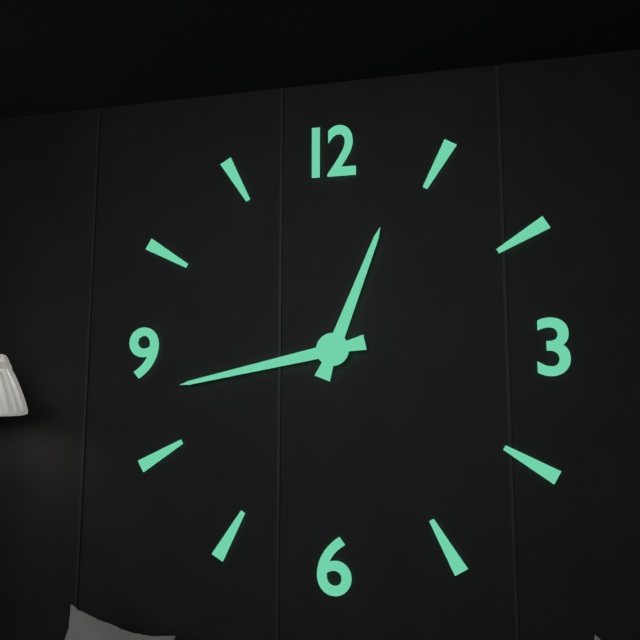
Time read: 12 h 43 min
